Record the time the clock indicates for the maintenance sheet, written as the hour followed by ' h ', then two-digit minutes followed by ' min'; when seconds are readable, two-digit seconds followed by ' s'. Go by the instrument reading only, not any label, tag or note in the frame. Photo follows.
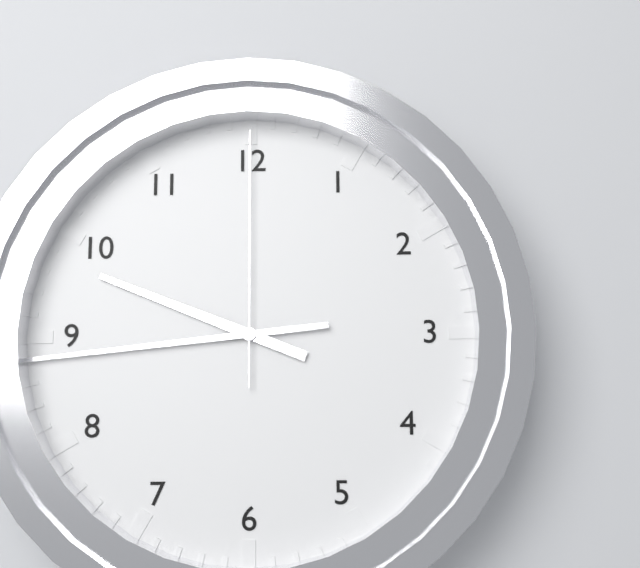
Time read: 9 h 44 min 00 s
